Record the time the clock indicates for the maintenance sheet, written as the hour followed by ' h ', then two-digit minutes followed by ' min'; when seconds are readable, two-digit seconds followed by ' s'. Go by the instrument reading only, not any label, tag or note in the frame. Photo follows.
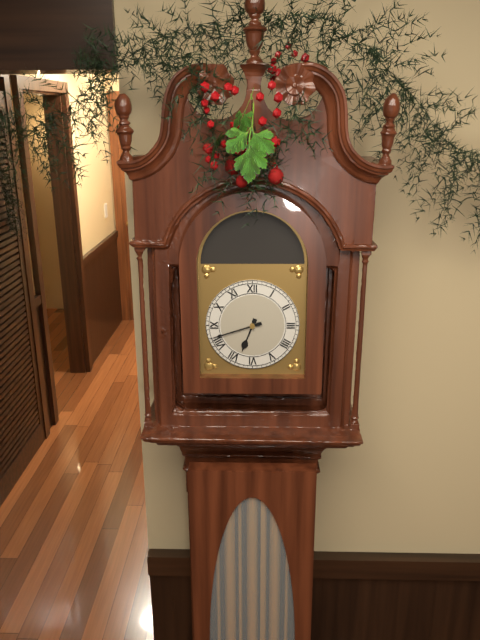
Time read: 6 h 42 min
